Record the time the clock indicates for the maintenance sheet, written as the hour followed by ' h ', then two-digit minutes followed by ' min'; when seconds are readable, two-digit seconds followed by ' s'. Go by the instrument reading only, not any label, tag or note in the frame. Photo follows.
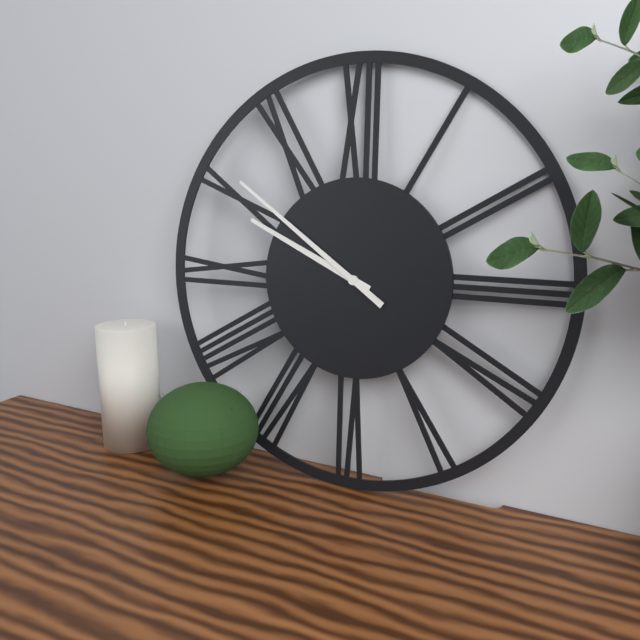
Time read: 9 h 51 min
